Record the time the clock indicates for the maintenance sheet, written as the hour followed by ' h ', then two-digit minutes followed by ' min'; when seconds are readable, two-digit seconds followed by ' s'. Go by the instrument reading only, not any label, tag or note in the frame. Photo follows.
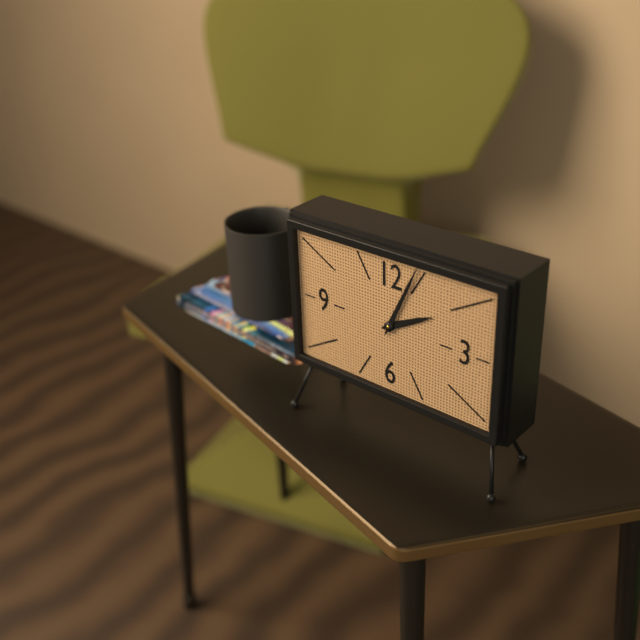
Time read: 2 h 04 min
